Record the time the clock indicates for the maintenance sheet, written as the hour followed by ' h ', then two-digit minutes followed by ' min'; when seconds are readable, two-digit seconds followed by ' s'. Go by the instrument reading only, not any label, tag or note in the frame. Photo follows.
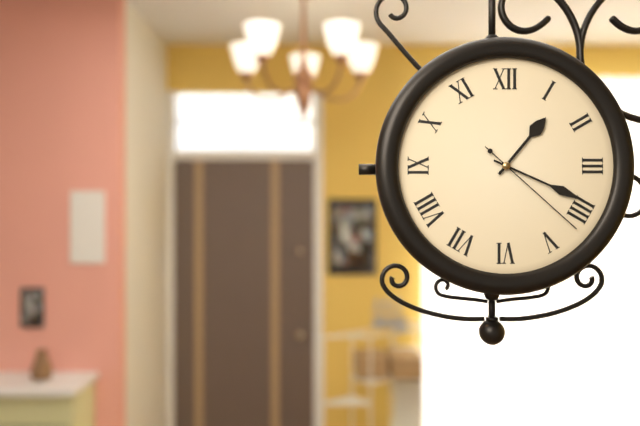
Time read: 1 h 19 min 22 s
